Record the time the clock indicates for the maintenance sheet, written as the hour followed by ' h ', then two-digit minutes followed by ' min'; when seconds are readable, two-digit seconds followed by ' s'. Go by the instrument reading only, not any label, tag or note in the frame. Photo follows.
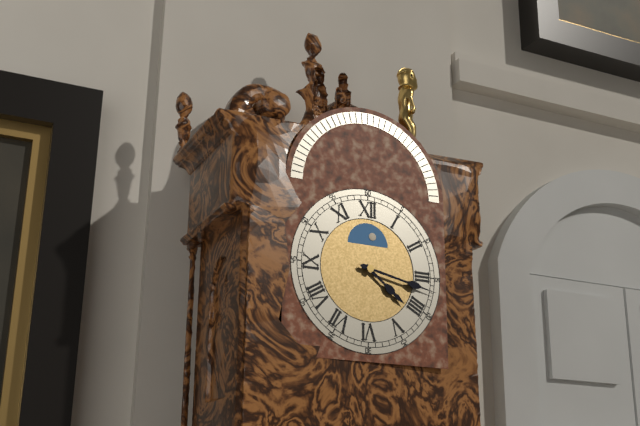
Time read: 4 h 17 min
